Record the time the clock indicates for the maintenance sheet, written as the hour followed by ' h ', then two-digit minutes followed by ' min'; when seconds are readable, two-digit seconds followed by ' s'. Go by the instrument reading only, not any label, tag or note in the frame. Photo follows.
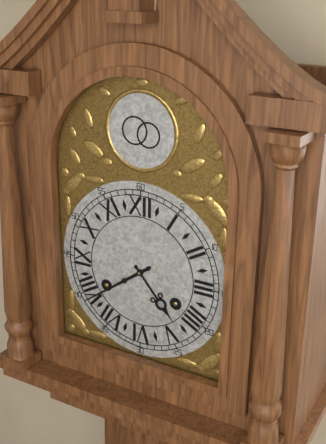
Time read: 4 h 39 min
